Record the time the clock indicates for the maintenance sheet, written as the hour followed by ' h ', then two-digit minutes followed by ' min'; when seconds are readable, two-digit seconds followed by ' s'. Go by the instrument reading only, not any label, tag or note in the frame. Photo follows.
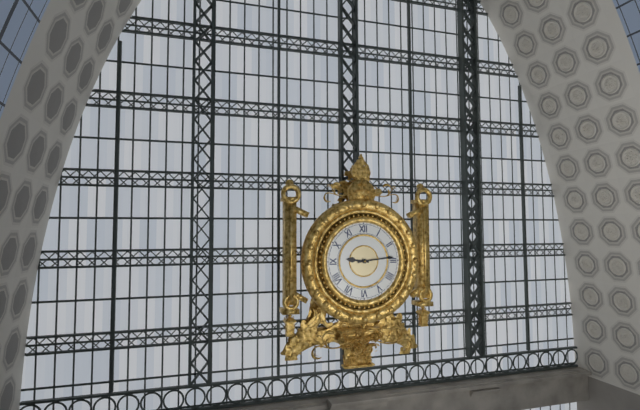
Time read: 9 h 14 min
